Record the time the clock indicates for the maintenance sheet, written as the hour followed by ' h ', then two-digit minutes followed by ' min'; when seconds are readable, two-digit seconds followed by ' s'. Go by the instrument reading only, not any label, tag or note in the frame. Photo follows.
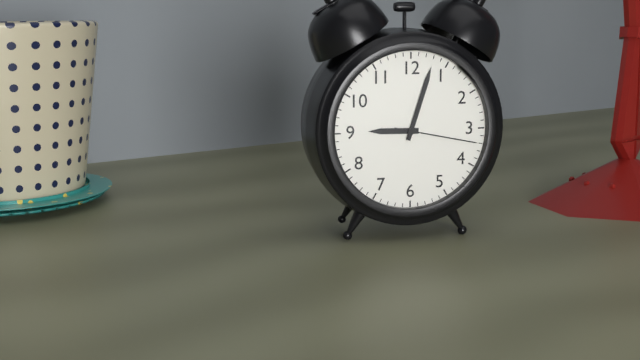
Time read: 9 h 03 min 17 s
